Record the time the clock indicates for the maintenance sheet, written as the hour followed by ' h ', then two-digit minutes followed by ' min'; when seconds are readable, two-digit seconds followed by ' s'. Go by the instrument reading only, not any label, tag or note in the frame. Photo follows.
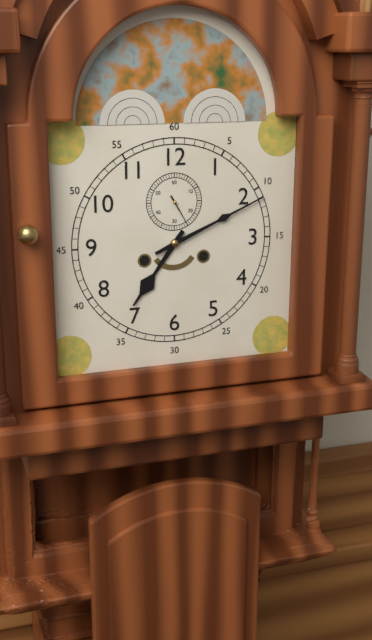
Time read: 7 h 11 min
